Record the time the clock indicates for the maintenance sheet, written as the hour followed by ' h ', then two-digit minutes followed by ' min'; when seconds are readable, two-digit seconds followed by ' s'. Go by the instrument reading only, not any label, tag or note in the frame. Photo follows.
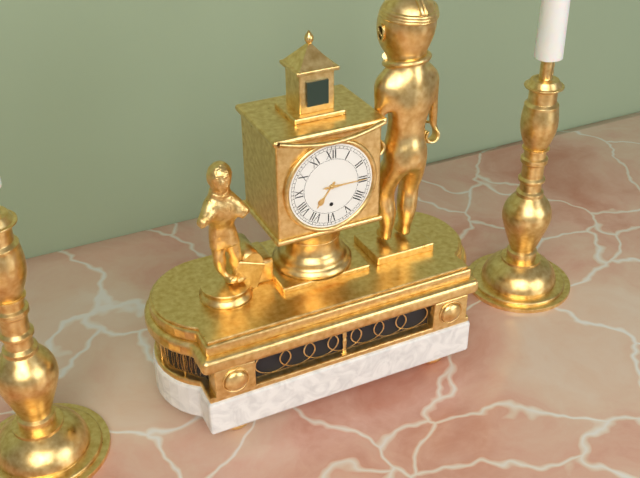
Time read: 7 h 15 min
